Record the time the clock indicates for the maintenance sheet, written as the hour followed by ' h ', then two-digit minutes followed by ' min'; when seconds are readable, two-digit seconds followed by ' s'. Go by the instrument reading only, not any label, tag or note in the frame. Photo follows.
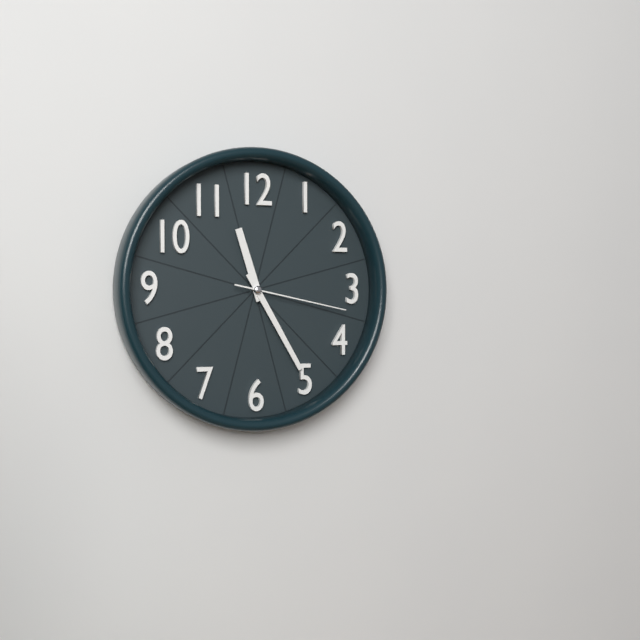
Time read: 11 h 25 min 17 s
